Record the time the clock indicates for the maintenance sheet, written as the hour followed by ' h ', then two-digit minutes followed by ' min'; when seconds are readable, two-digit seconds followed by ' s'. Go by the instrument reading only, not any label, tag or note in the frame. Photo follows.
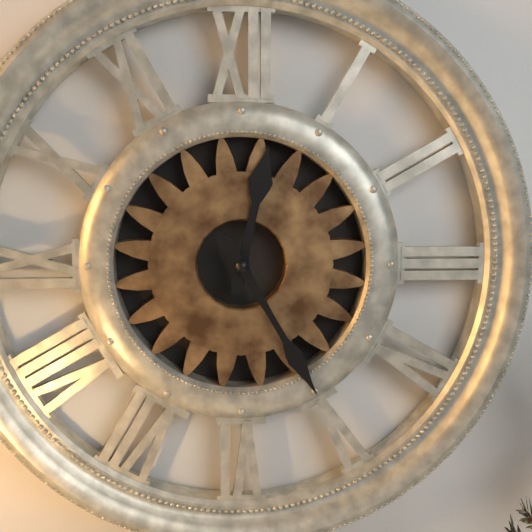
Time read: 12 h 25 min
